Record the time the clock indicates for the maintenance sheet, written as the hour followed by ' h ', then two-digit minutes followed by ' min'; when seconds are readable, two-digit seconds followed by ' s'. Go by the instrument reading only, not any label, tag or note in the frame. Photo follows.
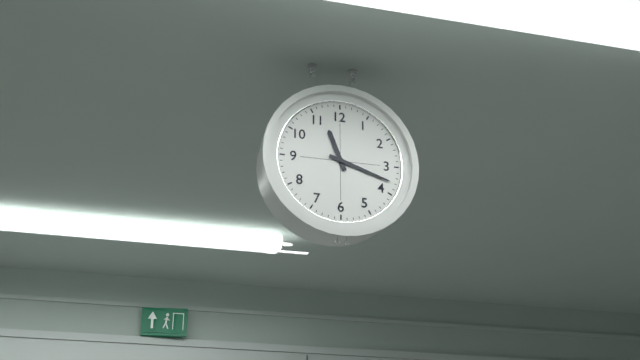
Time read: 11 h 18 min
